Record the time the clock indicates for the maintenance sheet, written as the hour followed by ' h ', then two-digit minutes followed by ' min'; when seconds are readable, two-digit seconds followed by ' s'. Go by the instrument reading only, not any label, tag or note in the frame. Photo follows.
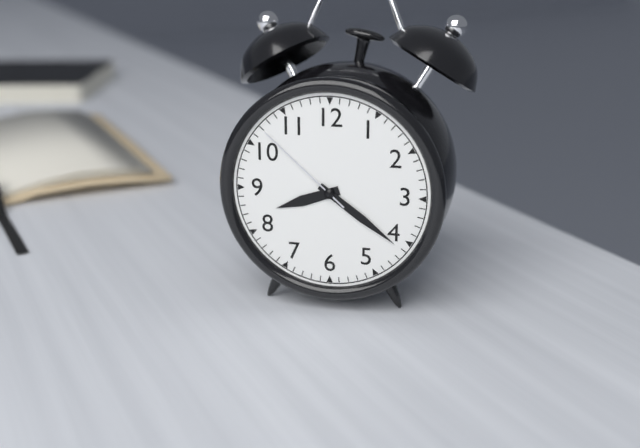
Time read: 8 h 21 min 52 s
